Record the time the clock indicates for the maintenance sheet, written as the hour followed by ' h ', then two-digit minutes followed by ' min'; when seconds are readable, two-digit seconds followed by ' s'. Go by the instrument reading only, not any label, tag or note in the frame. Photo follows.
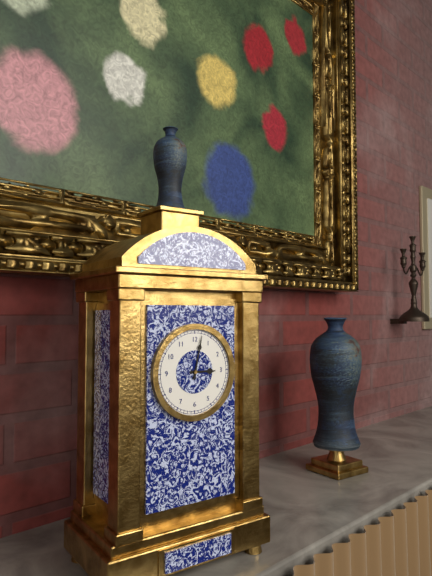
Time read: 3 h 02 min
